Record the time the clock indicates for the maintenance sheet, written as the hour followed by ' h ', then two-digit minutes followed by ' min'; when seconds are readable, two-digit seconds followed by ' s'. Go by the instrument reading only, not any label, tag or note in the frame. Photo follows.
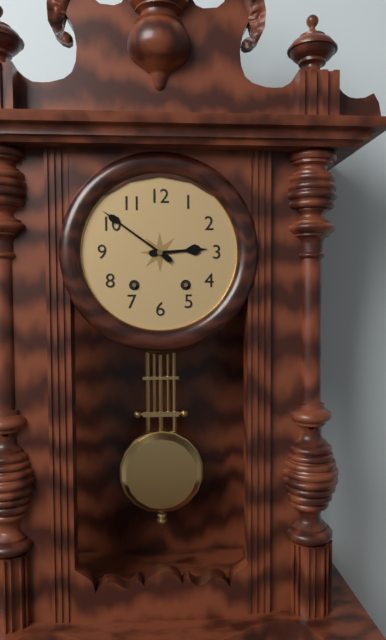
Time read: 2 h 51 min
